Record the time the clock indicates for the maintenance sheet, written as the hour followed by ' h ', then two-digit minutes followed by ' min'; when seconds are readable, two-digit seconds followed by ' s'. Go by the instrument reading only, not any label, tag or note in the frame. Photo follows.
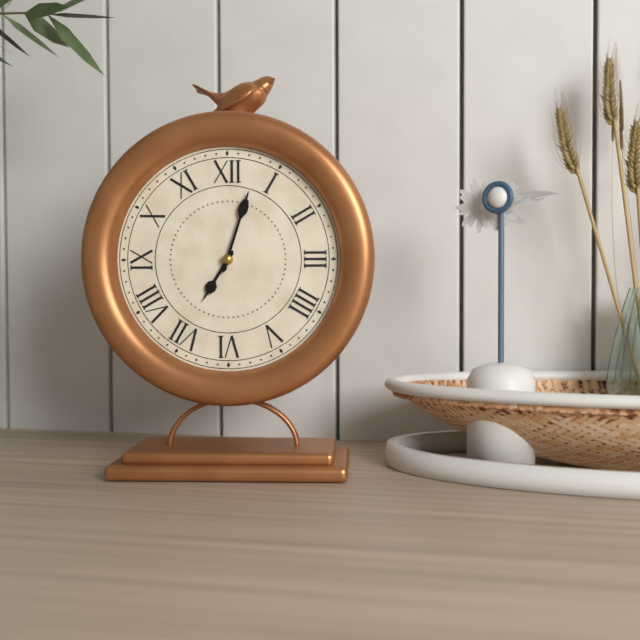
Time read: 7 h 03 min
